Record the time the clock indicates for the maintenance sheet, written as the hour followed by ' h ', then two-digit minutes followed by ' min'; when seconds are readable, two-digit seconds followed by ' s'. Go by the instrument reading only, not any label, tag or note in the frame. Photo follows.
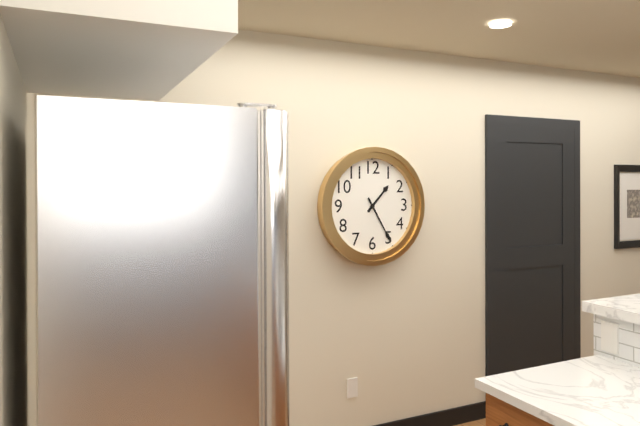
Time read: 1 h 25 min
